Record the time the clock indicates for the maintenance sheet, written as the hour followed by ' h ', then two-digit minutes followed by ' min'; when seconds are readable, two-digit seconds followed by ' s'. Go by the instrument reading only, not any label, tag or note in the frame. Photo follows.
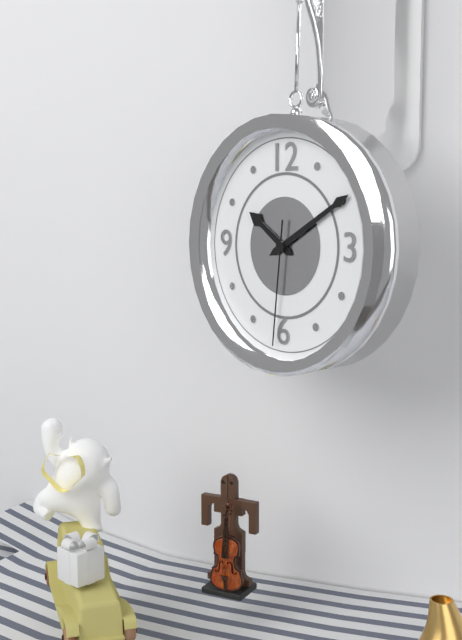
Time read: 10 h 10 min 31 s
